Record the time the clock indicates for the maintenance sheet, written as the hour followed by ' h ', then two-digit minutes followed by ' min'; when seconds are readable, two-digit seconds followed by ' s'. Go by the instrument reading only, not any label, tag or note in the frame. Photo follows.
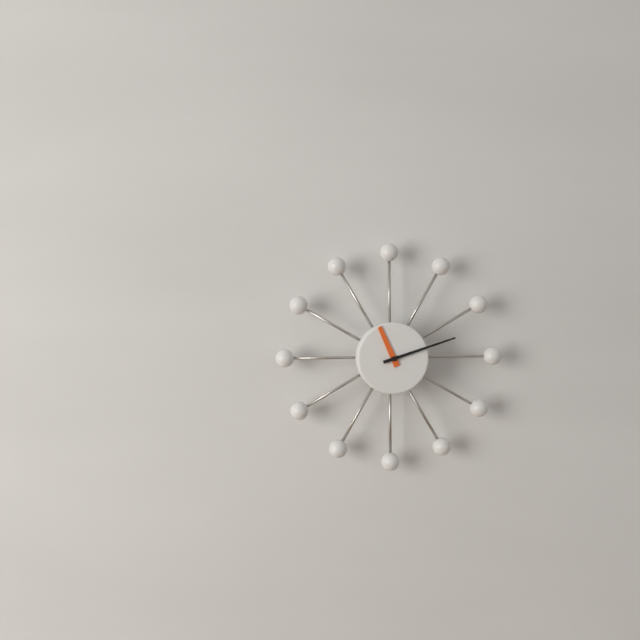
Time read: 11 h 12 min
